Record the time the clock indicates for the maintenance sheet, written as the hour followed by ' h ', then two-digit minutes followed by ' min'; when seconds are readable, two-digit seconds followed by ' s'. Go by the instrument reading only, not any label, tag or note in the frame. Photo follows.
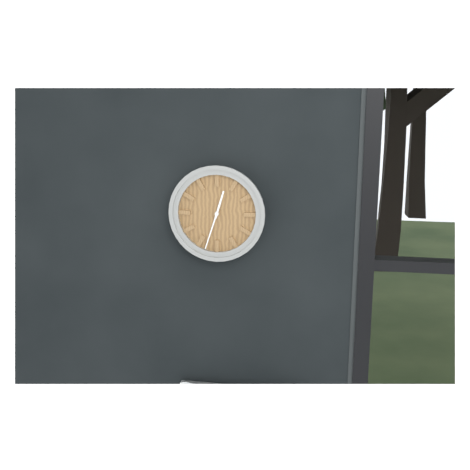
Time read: 12 h 33 min
